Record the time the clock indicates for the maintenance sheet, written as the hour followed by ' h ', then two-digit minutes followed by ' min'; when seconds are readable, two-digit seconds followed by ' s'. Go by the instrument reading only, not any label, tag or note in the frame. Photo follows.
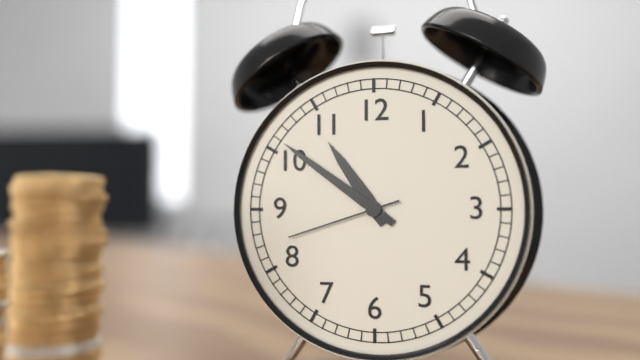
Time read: 10 h 51 min 42 s
